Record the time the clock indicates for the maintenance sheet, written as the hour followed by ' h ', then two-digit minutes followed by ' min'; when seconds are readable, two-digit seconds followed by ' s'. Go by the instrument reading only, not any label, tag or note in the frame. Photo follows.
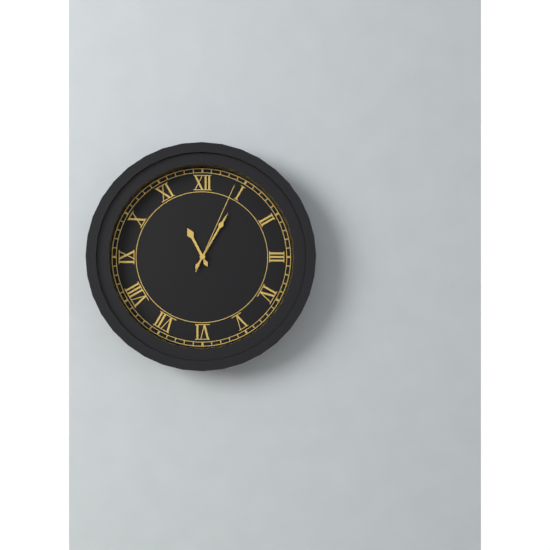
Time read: 11 h 05 min 04 s
